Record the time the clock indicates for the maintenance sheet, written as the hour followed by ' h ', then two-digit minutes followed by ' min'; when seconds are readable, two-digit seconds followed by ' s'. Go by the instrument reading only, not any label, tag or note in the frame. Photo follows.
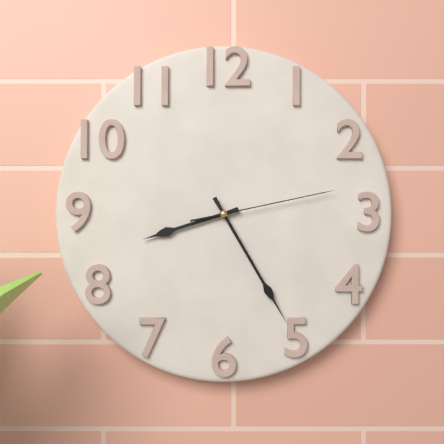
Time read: 8 h 25 min 13 s
